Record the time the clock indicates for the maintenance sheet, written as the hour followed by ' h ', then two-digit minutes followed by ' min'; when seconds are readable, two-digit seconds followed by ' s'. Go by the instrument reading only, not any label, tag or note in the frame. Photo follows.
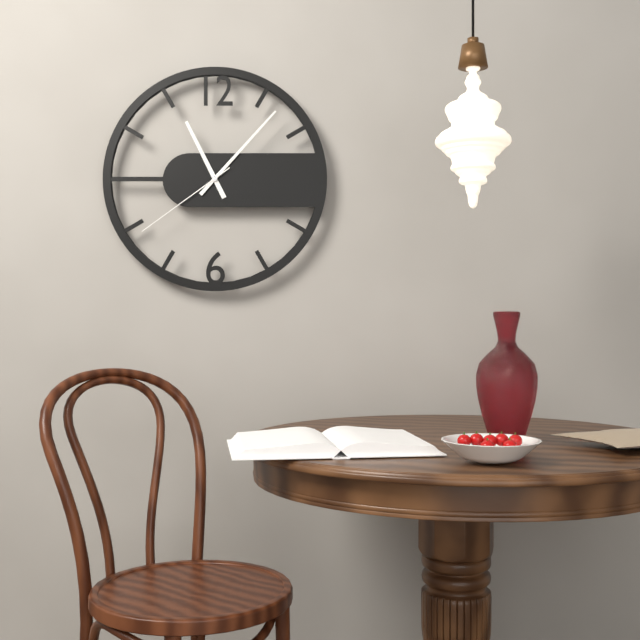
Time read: 11 h 07 min 39 s
